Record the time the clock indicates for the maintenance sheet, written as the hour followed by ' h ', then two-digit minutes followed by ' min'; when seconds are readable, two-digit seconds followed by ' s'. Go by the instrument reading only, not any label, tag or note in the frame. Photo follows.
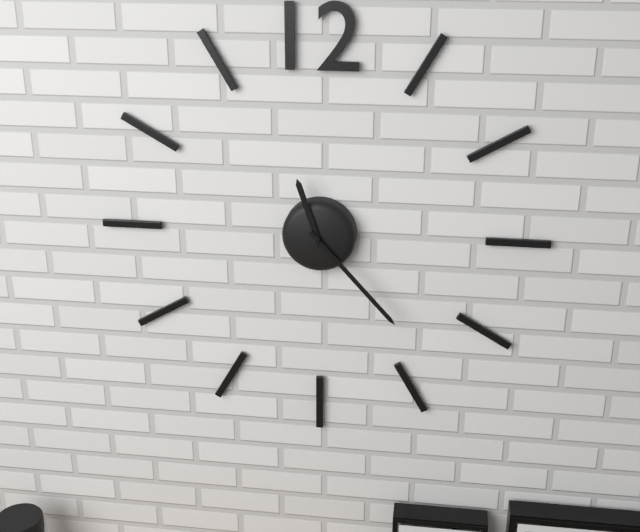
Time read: 11 h 23 min
